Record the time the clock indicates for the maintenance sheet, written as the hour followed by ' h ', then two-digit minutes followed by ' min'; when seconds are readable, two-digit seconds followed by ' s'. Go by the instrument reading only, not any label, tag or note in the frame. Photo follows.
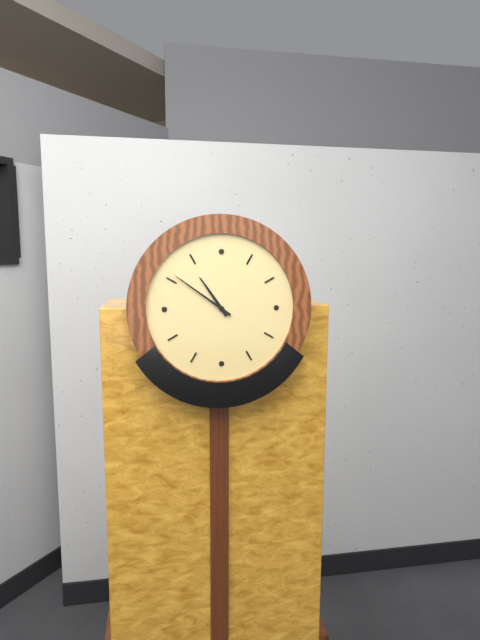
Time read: 10 h 51 min
